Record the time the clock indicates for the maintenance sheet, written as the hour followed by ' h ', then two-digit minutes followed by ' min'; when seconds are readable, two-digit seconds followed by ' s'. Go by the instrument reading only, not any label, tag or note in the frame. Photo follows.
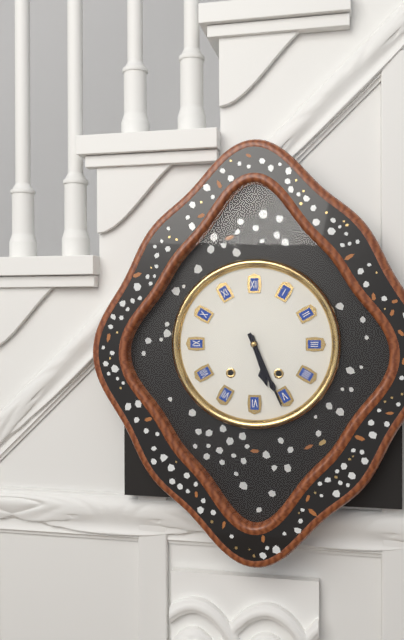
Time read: 5 h 26 min
